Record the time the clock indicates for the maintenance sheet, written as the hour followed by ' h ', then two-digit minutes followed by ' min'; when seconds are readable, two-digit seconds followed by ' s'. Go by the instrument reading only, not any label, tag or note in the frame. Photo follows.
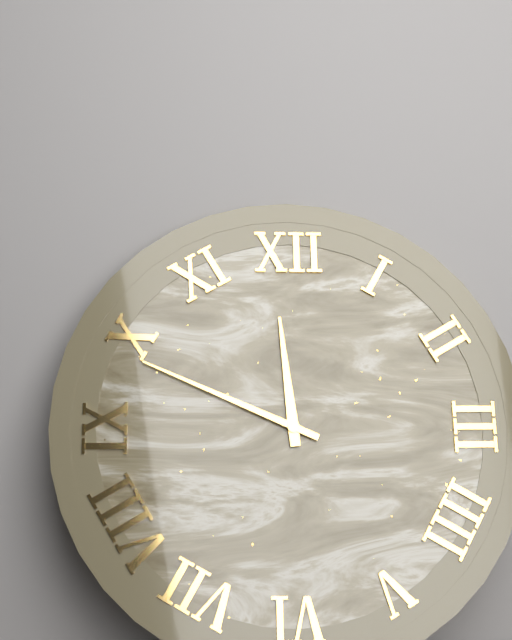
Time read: 11 h 49 min
